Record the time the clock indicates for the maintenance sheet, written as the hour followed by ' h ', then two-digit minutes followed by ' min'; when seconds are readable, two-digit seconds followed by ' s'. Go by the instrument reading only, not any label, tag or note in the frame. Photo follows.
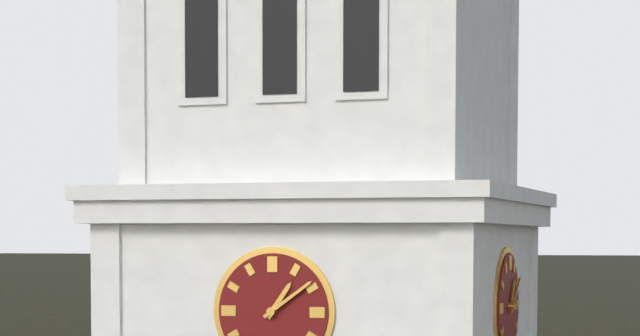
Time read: 1 h 09 min
